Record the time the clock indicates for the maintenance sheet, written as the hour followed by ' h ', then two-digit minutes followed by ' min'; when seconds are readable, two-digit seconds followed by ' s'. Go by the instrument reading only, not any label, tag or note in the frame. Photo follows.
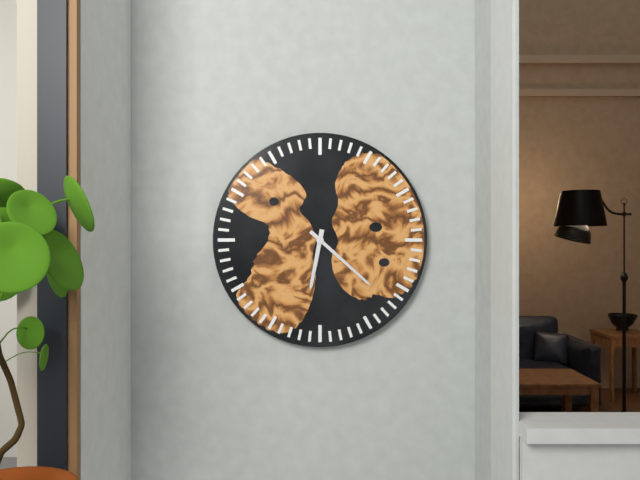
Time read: 6 h 22 min
